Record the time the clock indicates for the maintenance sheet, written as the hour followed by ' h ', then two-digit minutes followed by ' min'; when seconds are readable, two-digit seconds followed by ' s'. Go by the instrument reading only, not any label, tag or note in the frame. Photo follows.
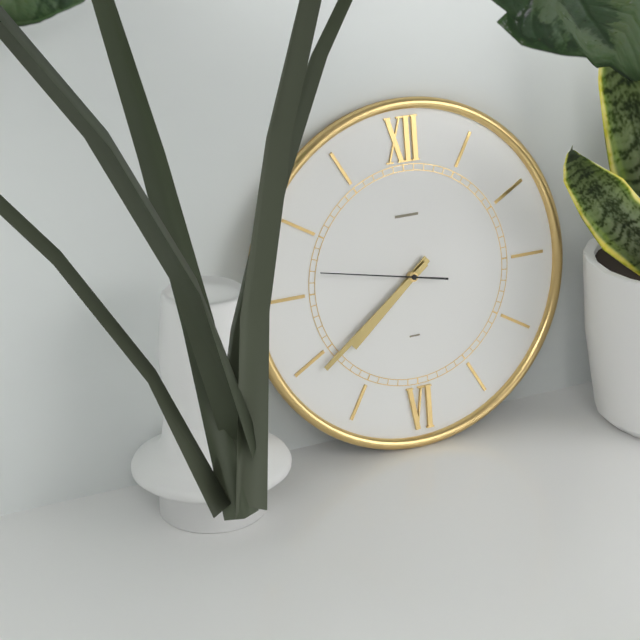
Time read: 7 h 39 min 47 s
